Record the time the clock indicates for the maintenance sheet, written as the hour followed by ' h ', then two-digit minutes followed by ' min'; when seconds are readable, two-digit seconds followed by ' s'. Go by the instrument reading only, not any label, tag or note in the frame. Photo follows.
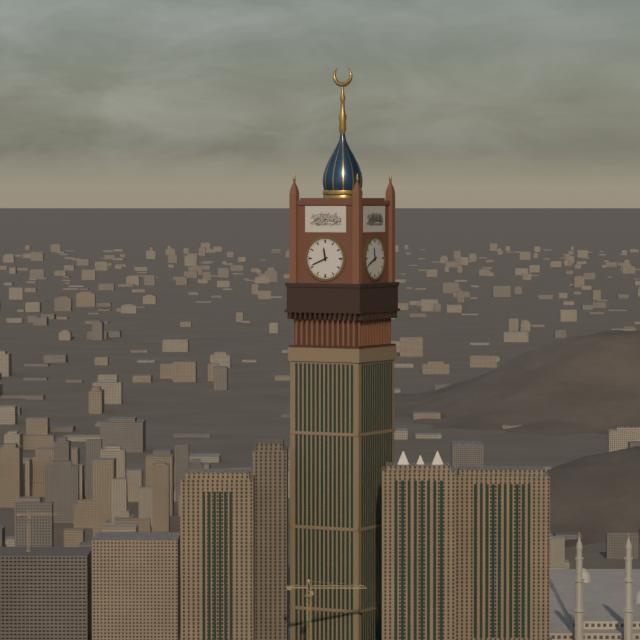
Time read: 11 h 41 min
